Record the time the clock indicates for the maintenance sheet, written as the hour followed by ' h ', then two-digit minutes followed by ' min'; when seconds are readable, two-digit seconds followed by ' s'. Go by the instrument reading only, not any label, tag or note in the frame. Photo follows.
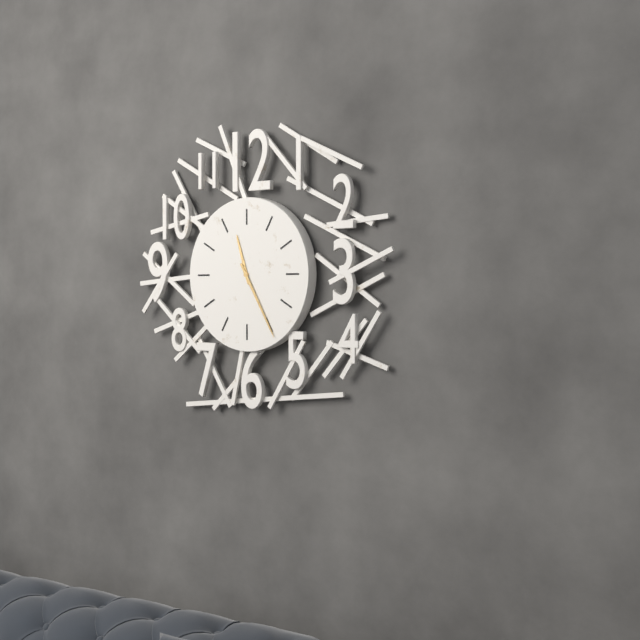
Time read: 11 h 25 min
